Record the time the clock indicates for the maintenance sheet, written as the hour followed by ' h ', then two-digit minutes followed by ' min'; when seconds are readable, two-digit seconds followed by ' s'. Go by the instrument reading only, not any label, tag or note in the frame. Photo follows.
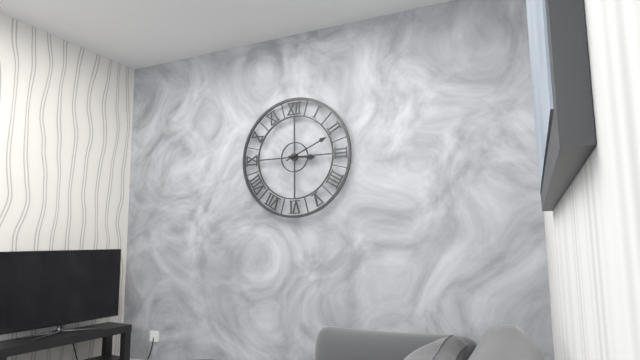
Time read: 3 h 11 min
